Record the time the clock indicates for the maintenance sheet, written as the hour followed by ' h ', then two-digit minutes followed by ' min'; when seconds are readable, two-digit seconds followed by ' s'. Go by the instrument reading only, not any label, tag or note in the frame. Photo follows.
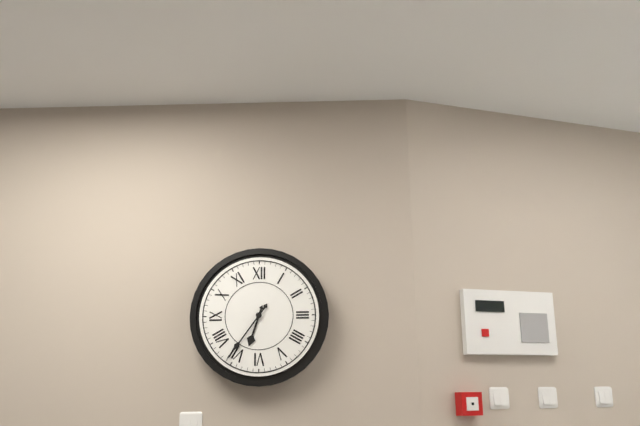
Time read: 6 h 36 min
